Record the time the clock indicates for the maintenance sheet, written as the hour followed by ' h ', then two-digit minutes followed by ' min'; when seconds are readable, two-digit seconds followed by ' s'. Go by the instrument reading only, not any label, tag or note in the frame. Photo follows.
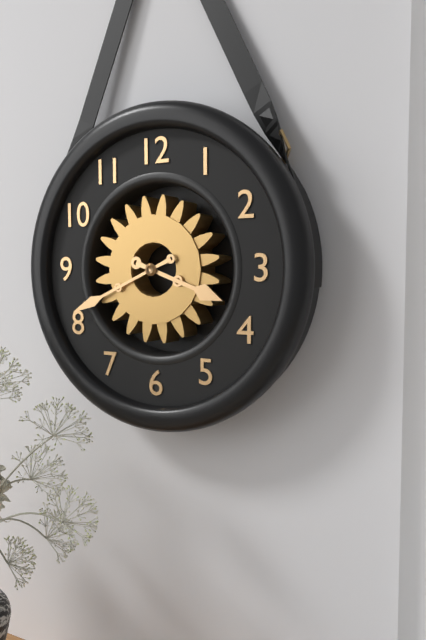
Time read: 3 h 41 min
